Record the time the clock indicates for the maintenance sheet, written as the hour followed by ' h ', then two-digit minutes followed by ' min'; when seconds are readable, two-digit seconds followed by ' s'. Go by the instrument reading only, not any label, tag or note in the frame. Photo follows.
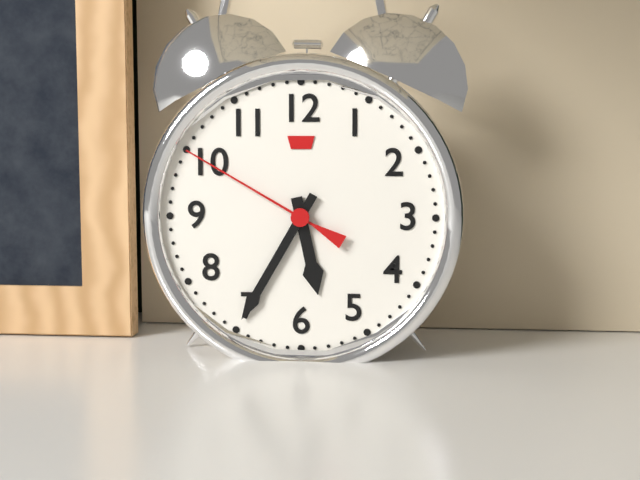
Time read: 5 h 35 min 50 s
